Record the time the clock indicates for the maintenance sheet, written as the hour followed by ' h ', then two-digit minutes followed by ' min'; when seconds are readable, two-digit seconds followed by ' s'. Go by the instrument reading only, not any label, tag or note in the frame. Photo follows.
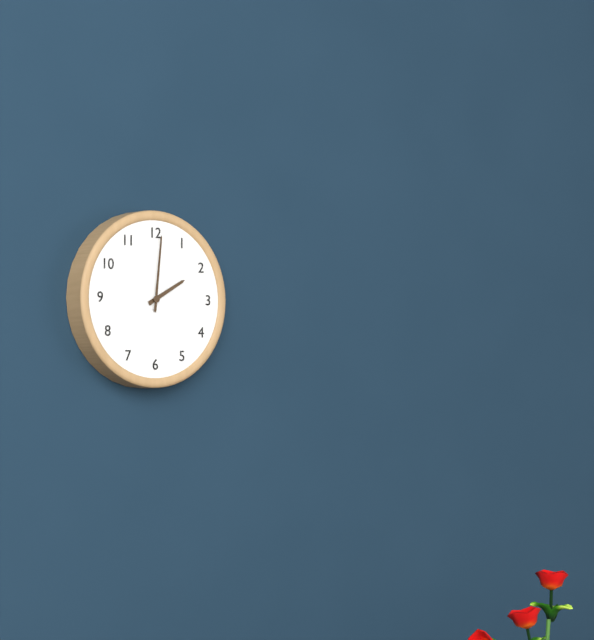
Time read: 2 h 01 min
